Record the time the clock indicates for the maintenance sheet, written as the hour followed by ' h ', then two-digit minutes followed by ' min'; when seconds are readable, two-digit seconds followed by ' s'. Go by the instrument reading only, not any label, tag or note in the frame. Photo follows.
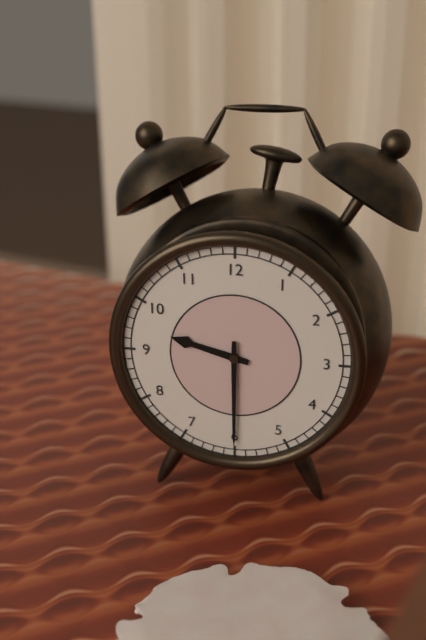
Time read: 9 h 30 min
